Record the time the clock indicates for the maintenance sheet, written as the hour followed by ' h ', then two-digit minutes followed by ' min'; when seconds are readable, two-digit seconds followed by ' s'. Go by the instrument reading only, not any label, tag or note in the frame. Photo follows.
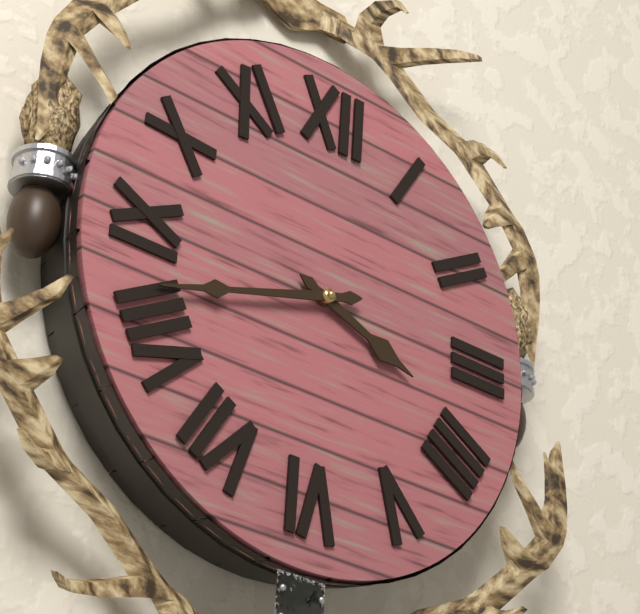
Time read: 3 h 42 min
